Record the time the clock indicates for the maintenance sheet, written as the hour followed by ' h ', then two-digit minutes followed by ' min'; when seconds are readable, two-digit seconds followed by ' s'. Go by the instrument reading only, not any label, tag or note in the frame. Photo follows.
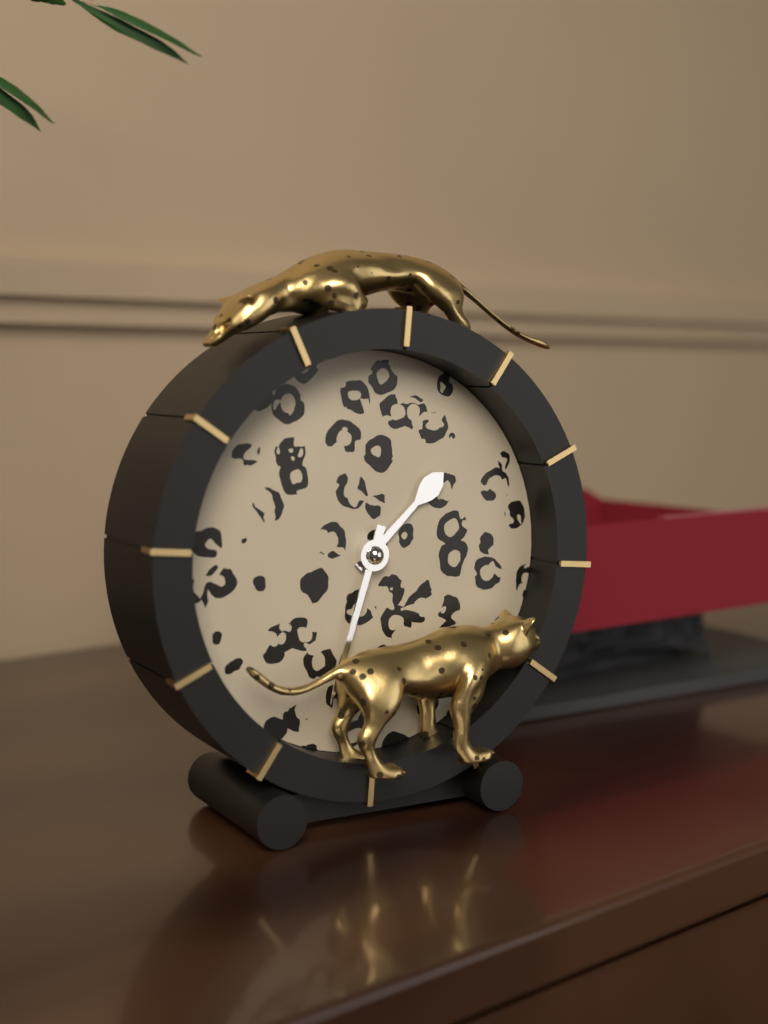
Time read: 1 h 33 min
